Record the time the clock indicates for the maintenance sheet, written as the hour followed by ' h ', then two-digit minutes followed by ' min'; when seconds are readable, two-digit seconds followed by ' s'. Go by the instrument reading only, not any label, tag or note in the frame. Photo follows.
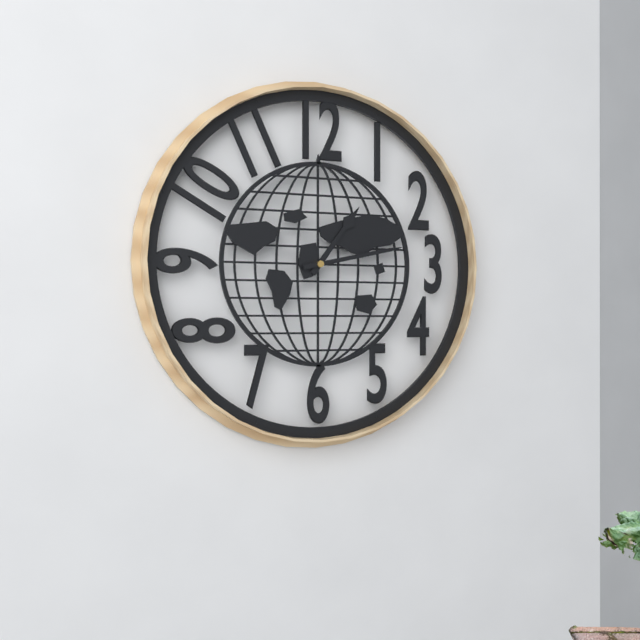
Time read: 1 h 13 min
